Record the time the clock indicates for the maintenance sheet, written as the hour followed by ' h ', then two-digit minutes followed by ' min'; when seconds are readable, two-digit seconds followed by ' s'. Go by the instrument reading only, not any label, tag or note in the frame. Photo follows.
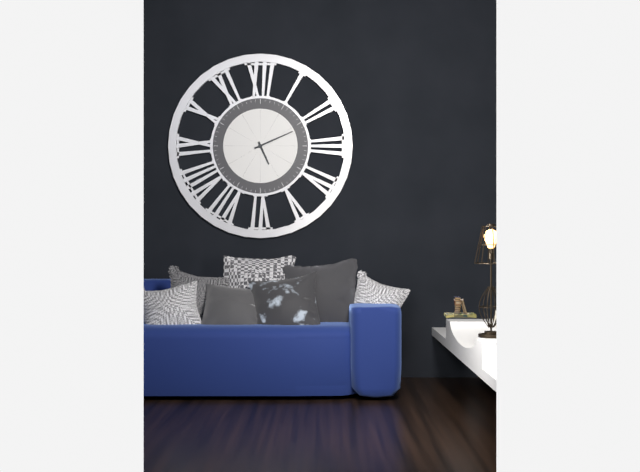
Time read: 5 h 11 min
